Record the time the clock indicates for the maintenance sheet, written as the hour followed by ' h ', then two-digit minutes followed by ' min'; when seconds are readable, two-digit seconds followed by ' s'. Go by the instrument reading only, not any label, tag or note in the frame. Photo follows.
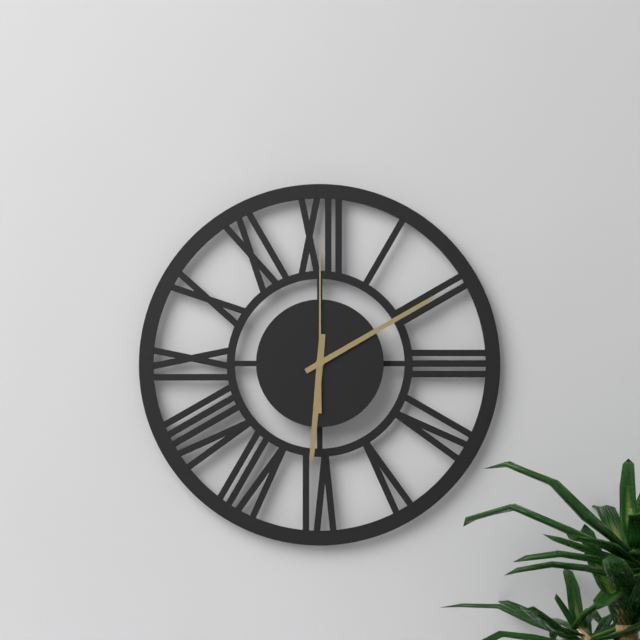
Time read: 6 h 10 min 00 s
